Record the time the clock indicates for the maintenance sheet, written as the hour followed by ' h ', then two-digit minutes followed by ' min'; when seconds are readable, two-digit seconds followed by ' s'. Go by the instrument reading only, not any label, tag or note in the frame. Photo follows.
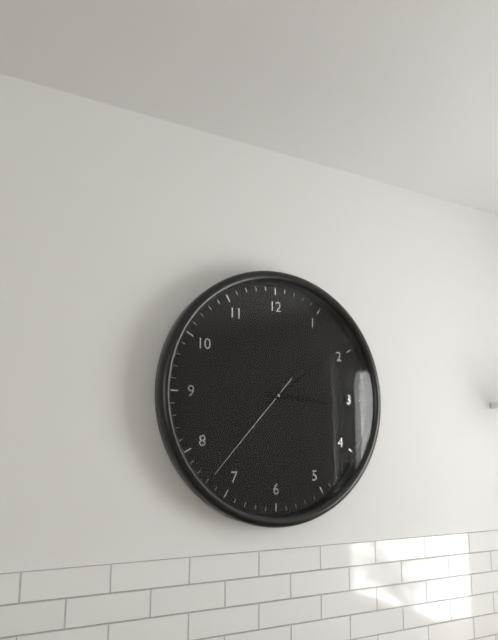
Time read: 3 h 09 min 37 s
